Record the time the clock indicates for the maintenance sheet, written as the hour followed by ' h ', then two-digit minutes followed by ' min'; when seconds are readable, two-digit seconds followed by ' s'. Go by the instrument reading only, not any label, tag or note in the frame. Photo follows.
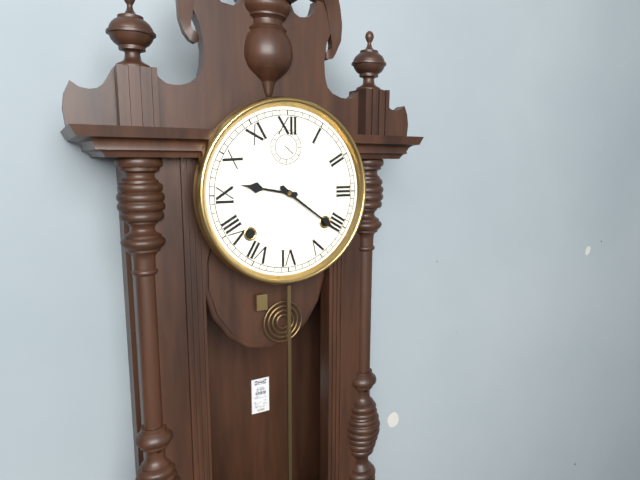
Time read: 9 h 21 min
